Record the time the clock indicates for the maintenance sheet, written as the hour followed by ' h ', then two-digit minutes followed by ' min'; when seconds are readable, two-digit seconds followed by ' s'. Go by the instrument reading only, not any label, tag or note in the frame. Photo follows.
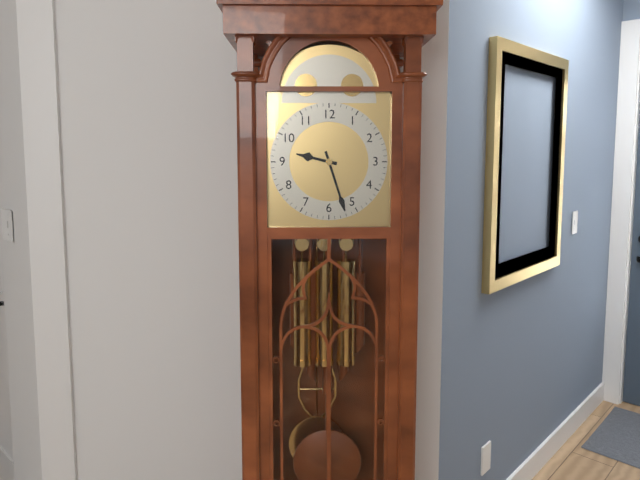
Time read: 9 h 27 min
